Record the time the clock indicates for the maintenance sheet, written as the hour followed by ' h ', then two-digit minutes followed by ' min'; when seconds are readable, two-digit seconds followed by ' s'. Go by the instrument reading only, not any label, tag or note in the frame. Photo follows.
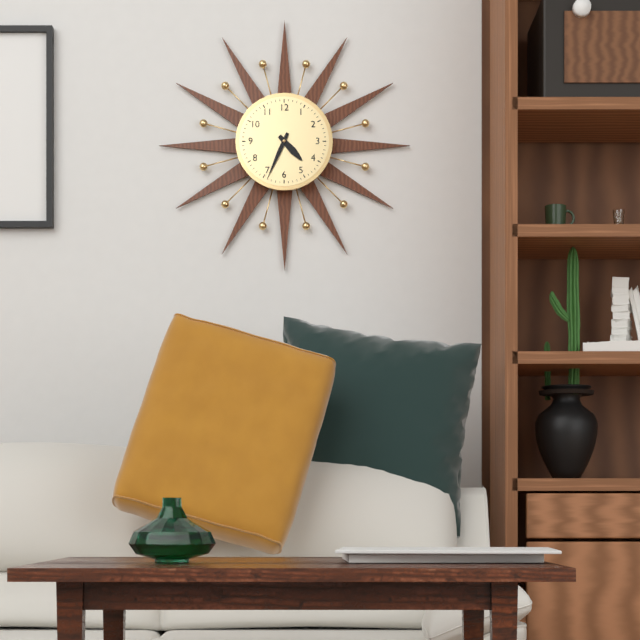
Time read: 4 h 34 min
